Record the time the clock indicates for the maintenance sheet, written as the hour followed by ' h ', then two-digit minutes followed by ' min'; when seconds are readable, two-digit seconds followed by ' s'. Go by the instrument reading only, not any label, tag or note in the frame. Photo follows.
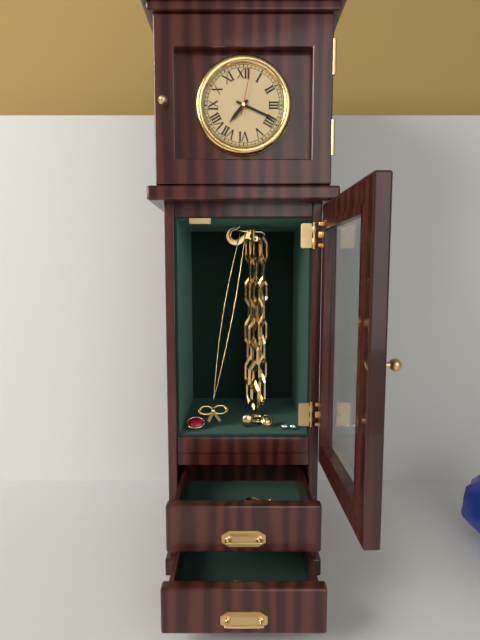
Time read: 7 h 19 min 02 s
